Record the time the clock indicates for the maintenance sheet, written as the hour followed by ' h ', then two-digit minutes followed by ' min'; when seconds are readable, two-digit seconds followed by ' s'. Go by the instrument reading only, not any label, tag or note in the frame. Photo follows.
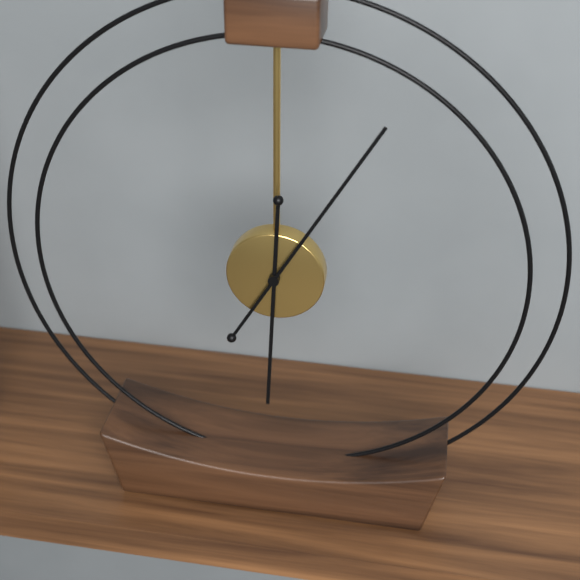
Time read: 6 h 05 min
